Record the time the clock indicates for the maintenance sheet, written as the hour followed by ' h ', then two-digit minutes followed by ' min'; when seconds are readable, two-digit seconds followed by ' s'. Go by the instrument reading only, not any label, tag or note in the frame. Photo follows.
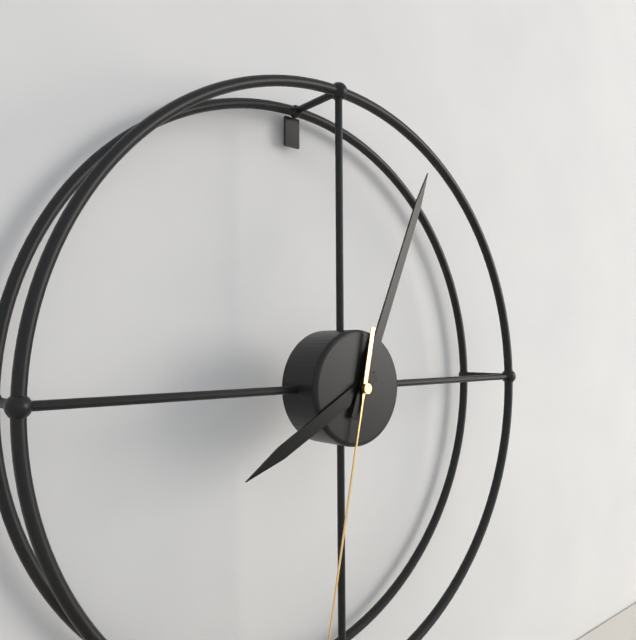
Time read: 8 h 04 min
